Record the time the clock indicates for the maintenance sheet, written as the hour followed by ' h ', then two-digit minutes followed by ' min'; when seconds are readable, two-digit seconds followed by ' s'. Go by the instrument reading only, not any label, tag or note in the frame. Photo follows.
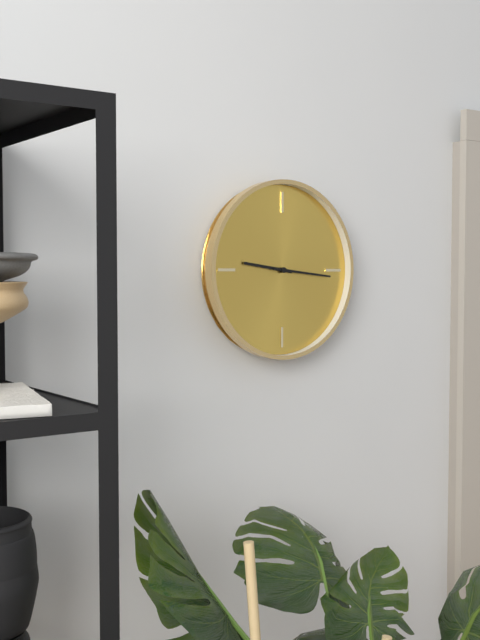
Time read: 9 h 16 min
